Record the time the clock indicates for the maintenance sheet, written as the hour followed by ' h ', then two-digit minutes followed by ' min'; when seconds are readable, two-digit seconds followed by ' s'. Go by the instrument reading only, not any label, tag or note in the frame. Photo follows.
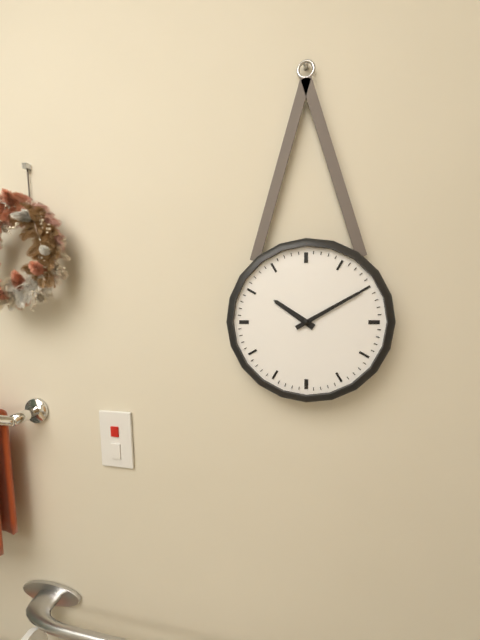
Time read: 10 h 10 min
